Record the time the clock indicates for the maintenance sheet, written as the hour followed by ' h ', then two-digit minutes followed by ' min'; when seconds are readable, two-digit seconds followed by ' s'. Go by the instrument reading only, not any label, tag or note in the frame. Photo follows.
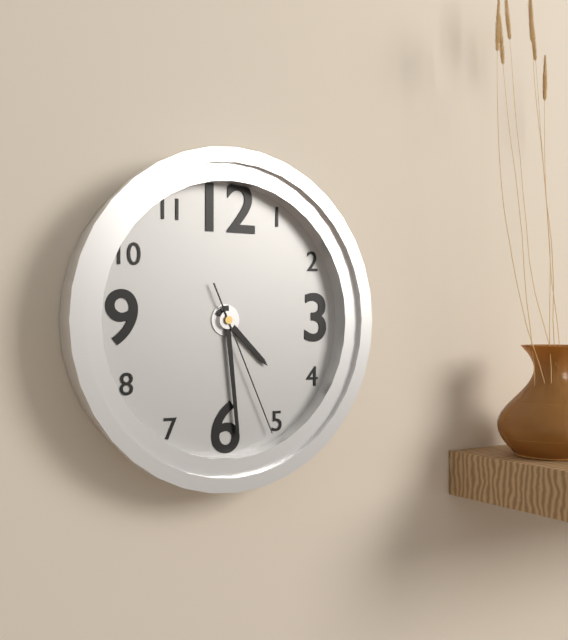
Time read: 4 h 29 min 26 s
